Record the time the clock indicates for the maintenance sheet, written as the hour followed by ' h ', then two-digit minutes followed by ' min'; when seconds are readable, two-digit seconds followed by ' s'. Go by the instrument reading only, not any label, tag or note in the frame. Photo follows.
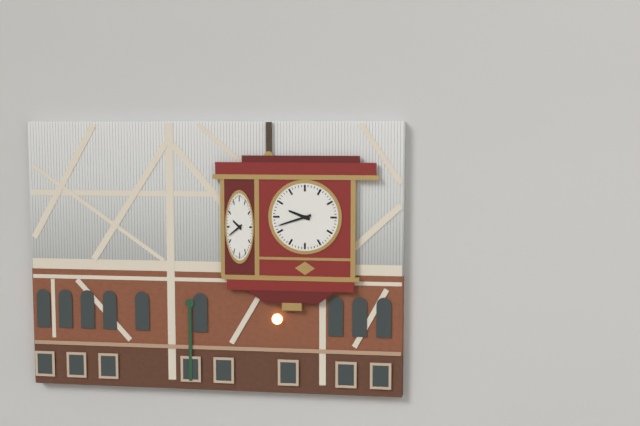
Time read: 9 h 42 min
